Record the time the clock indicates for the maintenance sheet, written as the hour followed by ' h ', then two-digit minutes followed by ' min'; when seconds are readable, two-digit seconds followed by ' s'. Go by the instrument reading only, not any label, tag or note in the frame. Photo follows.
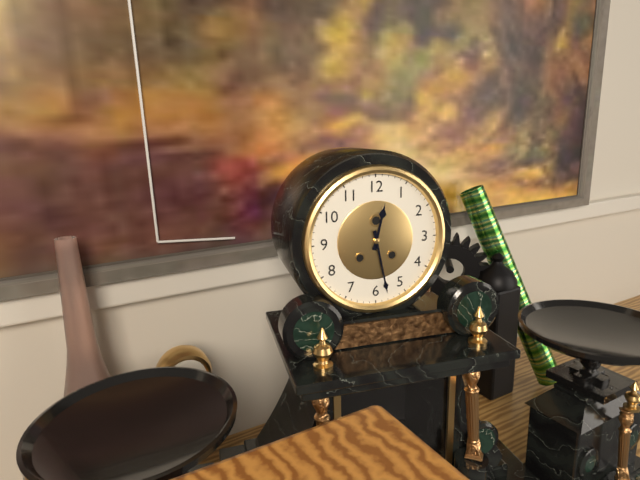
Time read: 12 h 28 min
